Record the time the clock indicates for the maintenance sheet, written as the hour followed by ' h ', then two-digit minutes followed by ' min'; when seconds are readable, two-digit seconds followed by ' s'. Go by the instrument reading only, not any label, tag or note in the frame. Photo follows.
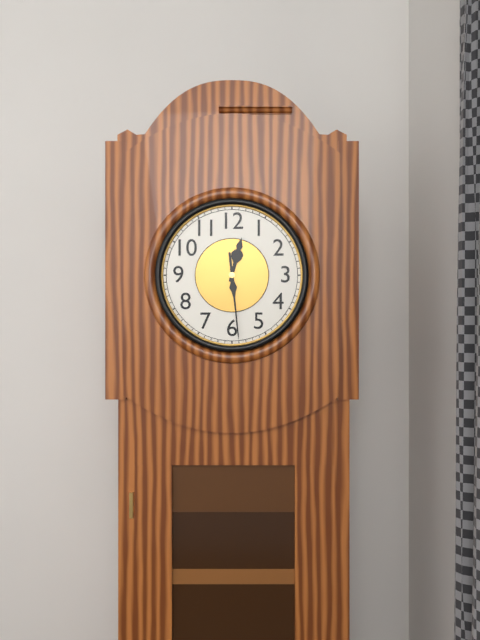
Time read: 12 h 29 min
